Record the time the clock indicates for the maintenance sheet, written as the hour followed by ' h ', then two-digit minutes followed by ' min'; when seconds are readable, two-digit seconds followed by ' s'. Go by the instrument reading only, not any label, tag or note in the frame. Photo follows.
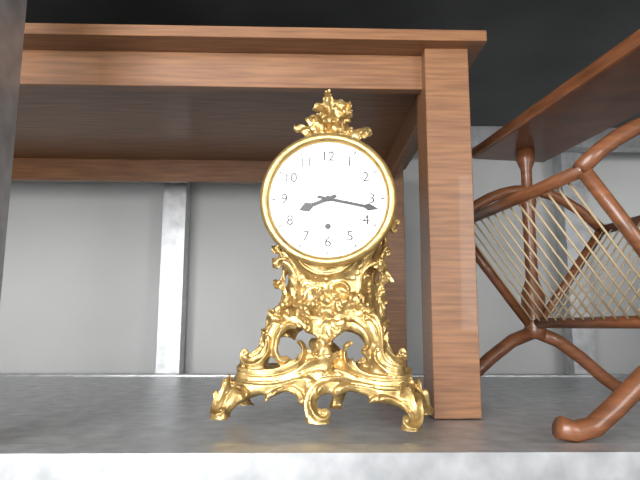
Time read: 8 h 17 min
